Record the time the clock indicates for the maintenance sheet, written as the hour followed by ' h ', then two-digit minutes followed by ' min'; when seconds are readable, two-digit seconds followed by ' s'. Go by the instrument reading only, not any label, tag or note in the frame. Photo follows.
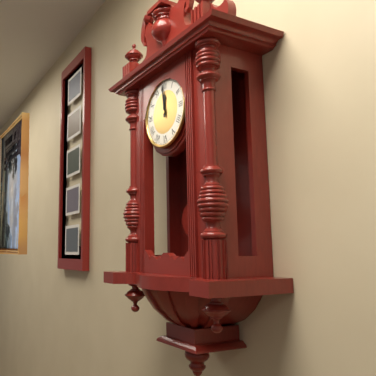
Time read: 11 h 59 min
